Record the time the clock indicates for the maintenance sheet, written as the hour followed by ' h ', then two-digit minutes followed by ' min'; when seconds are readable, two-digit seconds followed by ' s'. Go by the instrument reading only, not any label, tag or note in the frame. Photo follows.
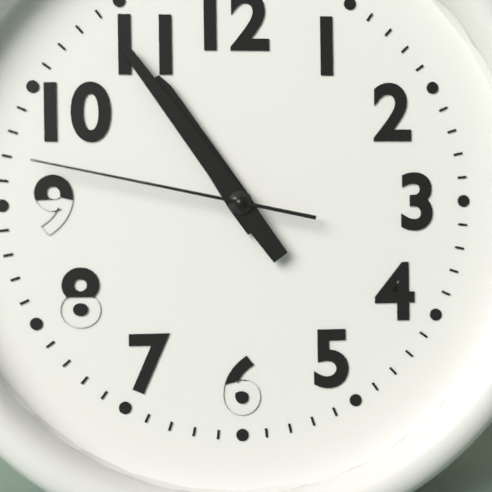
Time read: 10 h 54 min 47 s
